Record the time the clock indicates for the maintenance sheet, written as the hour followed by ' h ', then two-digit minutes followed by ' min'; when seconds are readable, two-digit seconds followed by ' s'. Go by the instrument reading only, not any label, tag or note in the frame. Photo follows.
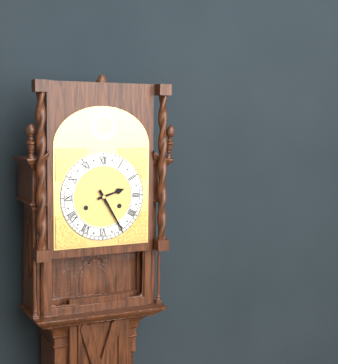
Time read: 2 h 25 min
